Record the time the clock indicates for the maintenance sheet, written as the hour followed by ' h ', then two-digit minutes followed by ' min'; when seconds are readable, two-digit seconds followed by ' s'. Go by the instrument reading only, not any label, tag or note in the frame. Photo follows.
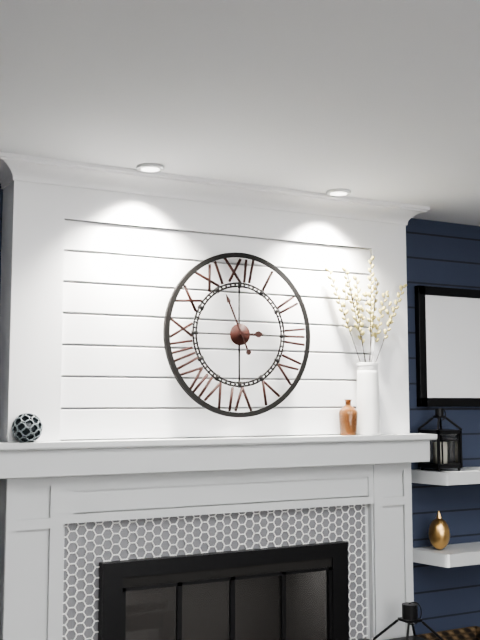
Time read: 2 h 56 min
